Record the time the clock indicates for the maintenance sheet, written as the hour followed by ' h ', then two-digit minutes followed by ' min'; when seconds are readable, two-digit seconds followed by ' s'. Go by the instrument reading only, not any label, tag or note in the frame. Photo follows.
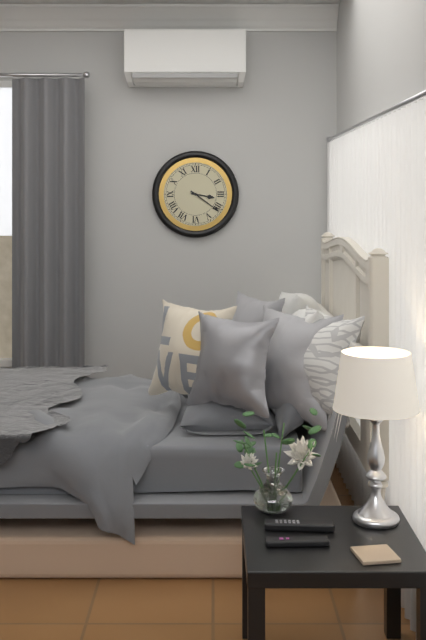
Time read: 3 h 21 min
